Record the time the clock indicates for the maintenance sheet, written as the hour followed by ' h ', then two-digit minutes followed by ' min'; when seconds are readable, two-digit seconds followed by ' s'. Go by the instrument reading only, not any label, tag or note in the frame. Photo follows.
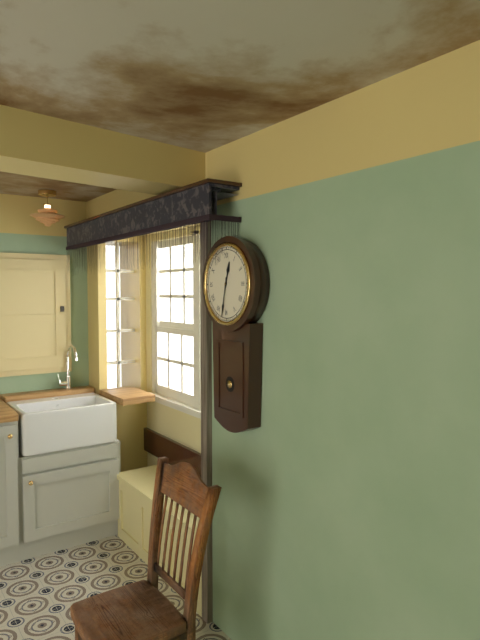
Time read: 12 h 32 min
